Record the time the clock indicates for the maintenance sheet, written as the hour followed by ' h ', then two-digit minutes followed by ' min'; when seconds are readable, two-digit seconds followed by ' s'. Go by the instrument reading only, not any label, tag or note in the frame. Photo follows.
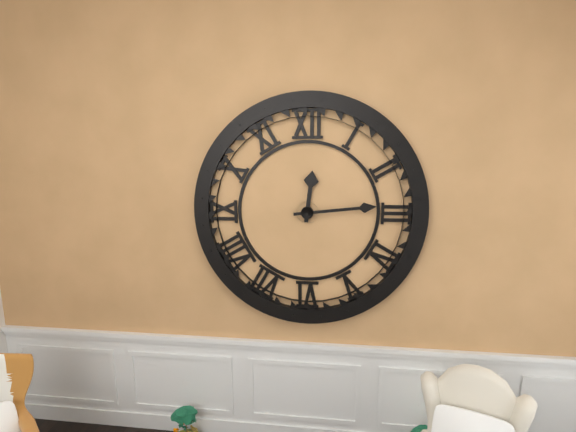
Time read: 12 h 14 min
